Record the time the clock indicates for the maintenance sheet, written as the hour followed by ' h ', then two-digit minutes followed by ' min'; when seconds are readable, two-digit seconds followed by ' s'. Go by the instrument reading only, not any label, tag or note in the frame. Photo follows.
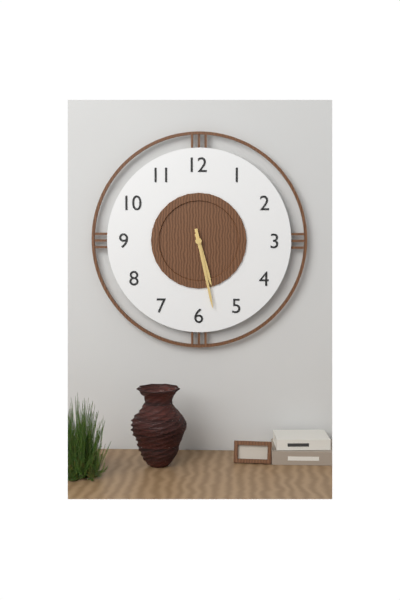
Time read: 5 h 28 min
